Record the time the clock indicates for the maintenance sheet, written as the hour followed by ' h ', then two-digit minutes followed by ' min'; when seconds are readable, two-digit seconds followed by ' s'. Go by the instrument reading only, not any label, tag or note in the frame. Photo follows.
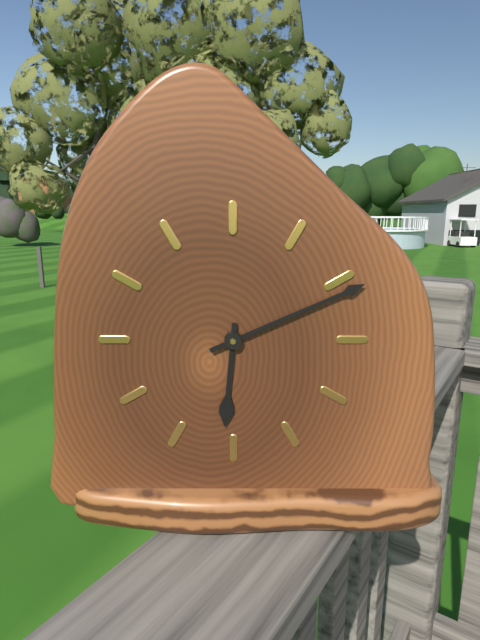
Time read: 6 h 11 min
